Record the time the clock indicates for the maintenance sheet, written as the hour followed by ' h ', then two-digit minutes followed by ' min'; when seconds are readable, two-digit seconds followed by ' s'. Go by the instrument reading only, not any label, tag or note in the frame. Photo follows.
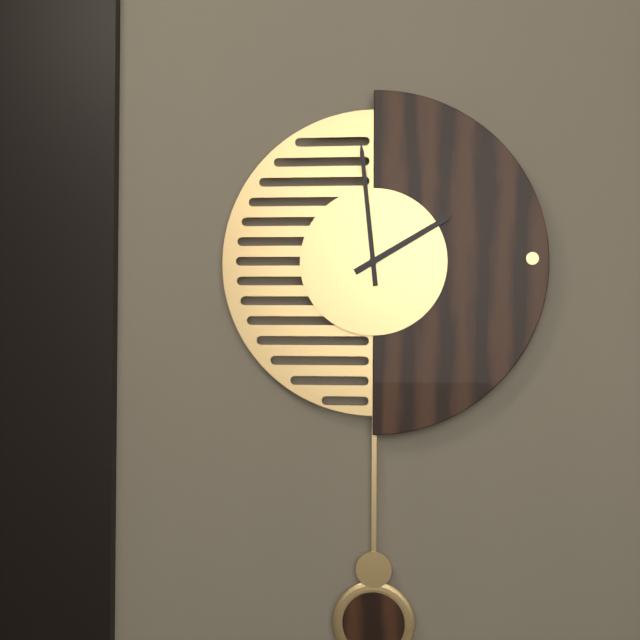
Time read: 1 h 59 min
